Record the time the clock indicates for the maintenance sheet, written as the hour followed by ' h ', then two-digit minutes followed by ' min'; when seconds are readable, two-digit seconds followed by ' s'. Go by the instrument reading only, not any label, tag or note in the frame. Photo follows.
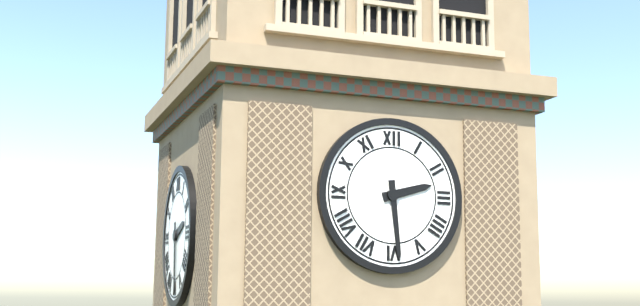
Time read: 2 h 29 min
